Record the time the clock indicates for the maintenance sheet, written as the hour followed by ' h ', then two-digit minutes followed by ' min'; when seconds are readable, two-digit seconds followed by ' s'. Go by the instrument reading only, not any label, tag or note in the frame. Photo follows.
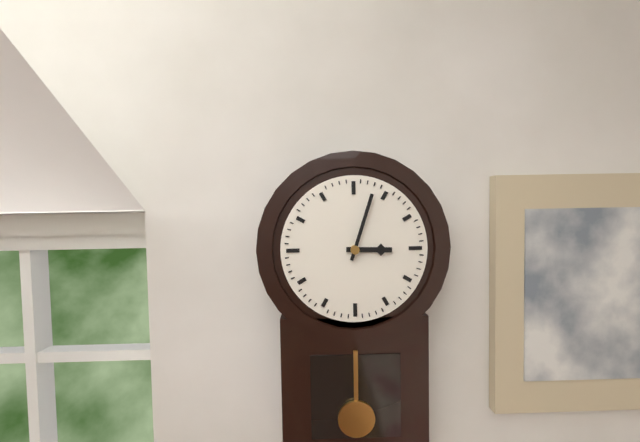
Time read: 3 h 03 min
